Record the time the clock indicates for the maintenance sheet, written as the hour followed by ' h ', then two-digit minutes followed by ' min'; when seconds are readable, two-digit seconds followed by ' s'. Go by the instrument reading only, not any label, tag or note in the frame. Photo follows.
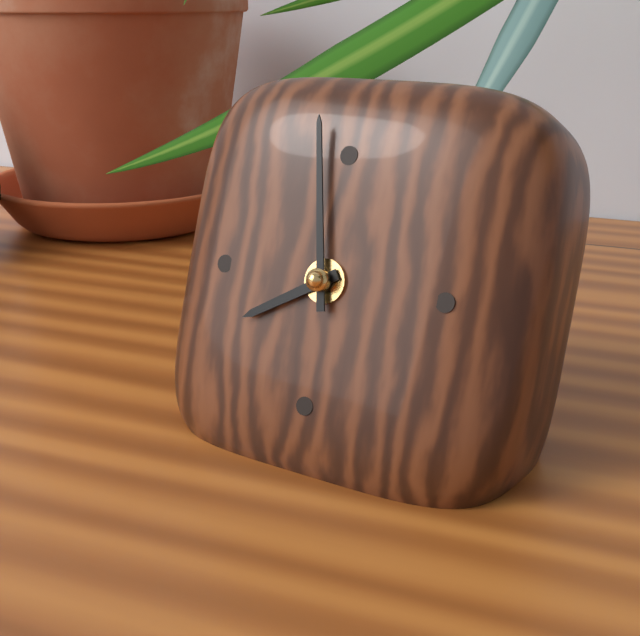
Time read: 7 h 58 min
